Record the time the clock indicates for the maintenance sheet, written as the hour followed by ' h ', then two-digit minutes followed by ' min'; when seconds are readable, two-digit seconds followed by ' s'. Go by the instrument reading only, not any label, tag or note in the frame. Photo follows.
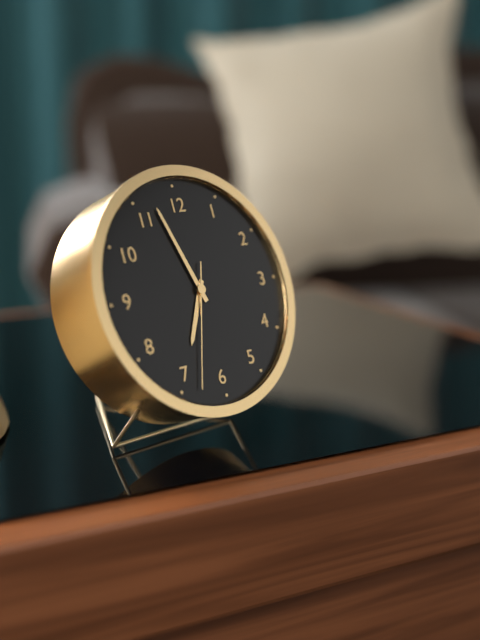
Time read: 6 h 57 min 33 s
